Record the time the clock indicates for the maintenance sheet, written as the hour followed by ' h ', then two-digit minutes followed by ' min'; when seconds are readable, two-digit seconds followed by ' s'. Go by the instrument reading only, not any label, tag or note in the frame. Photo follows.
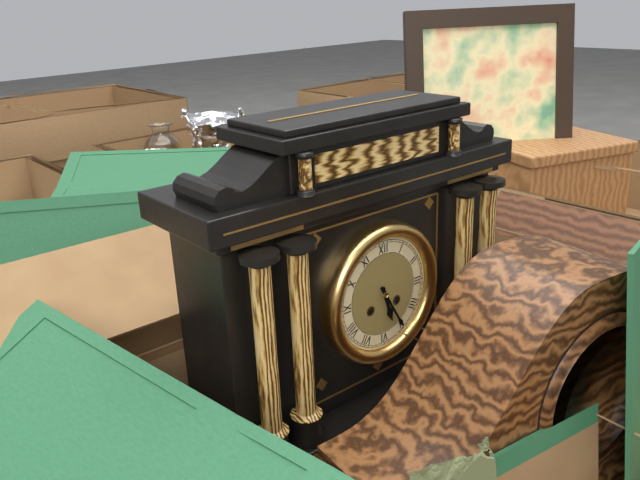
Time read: 5 h 25 min
